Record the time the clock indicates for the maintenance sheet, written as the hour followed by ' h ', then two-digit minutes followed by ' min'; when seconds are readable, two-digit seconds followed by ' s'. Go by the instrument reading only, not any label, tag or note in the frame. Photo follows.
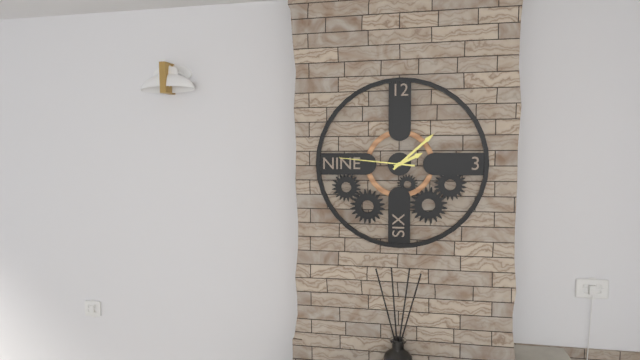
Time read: 2 h 08 min 46 s
